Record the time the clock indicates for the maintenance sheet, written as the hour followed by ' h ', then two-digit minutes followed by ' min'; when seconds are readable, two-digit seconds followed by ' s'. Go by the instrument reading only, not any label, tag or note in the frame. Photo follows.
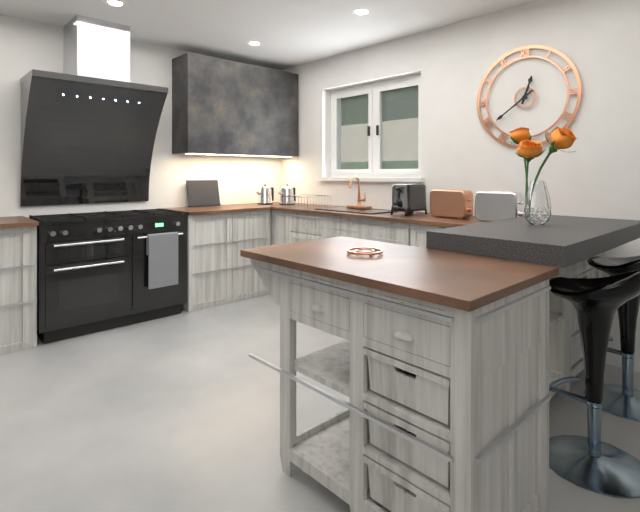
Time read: 12 h 39 min
